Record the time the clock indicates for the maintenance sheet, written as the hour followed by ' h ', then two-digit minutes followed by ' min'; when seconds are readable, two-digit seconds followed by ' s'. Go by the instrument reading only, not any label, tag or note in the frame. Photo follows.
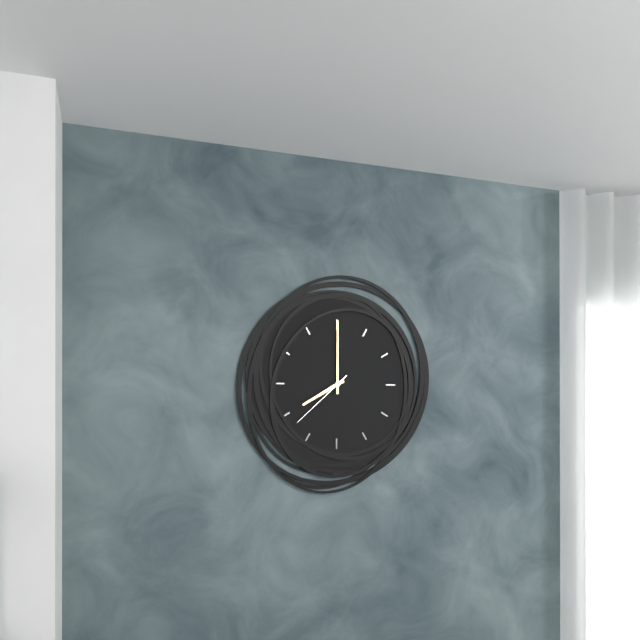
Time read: 8 h 00 min 38 s
